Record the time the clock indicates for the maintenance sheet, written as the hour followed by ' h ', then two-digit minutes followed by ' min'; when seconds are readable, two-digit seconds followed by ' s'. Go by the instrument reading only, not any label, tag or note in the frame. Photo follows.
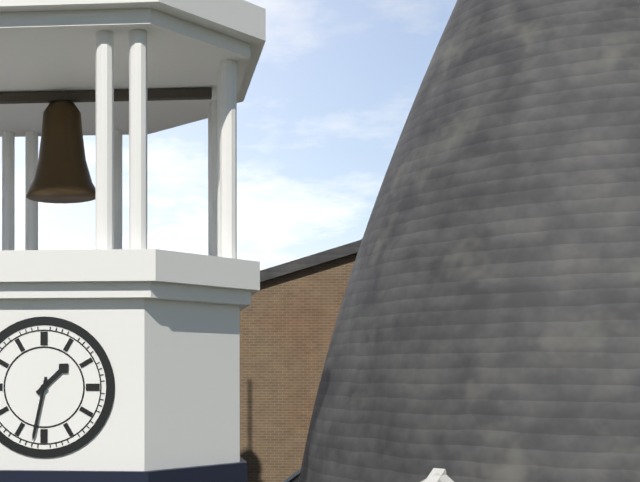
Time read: 1 h 32 min
